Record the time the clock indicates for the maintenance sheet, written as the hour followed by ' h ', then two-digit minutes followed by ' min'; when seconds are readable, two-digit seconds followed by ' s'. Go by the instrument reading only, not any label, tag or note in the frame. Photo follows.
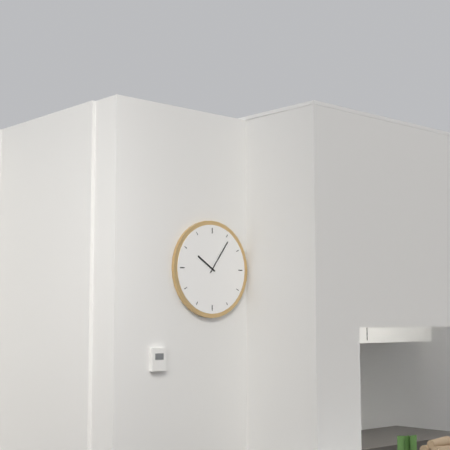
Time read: 10 h 06 min
